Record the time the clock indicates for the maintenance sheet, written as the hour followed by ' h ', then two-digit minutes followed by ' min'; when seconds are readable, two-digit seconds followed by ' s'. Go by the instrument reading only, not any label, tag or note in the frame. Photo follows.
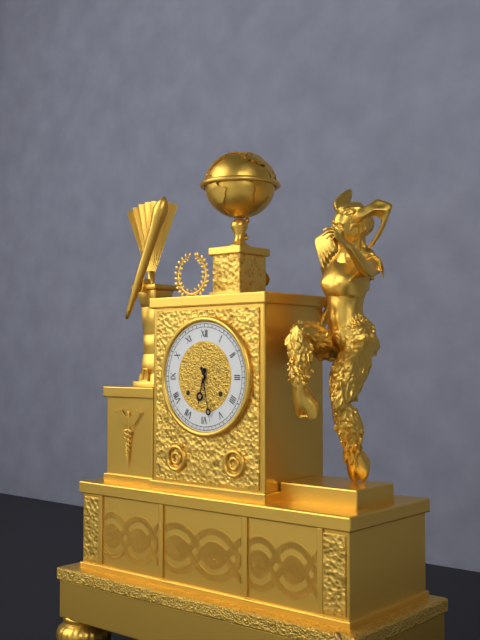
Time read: 6 h 28 min
